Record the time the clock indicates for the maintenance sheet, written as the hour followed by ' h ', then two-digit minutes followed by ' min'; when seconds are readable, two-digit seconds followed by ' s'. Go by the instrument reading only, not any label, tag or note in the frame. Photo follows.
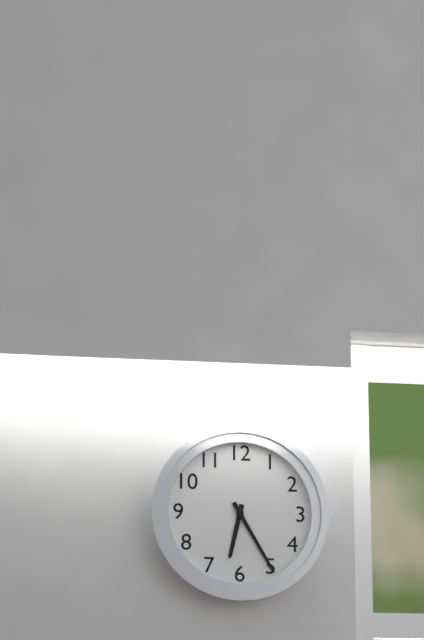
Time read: 6 h 25 min
